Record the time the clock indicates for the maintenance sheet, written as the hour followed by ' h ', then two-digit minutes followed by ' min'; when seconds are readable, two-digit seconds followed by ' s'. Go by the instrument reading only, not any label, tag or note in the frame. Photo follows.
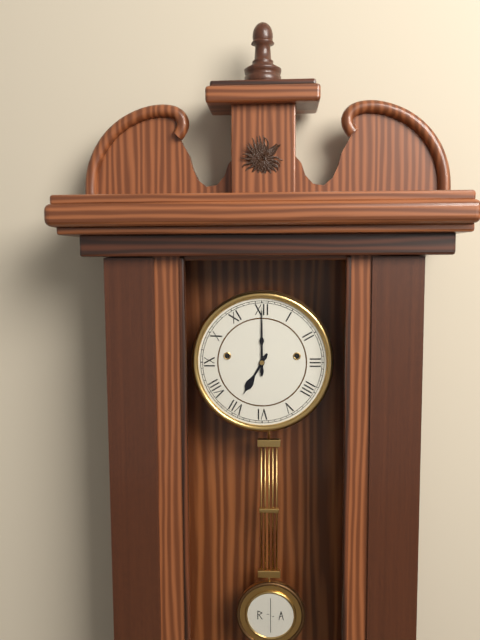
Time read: 7 h 00 min
